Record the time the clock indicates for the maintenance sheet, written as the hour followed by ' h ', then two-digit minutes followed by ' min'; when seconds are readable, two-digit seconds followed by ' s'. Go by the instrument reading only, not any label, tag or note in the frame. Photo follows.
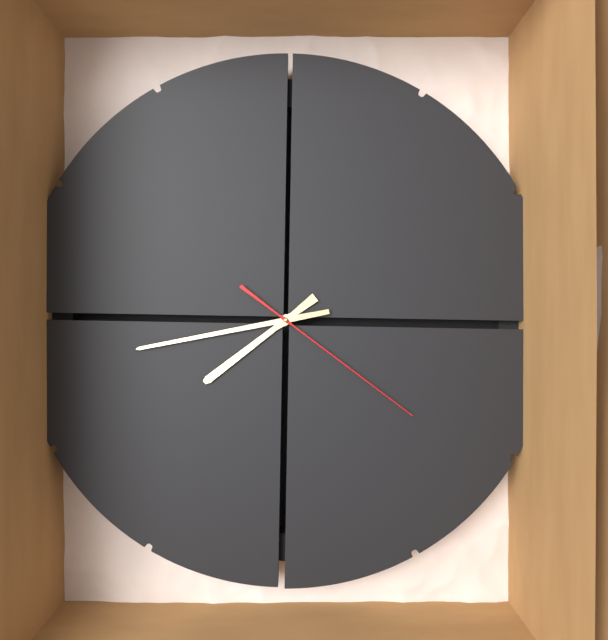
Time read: 7 h 43 min 21 s
